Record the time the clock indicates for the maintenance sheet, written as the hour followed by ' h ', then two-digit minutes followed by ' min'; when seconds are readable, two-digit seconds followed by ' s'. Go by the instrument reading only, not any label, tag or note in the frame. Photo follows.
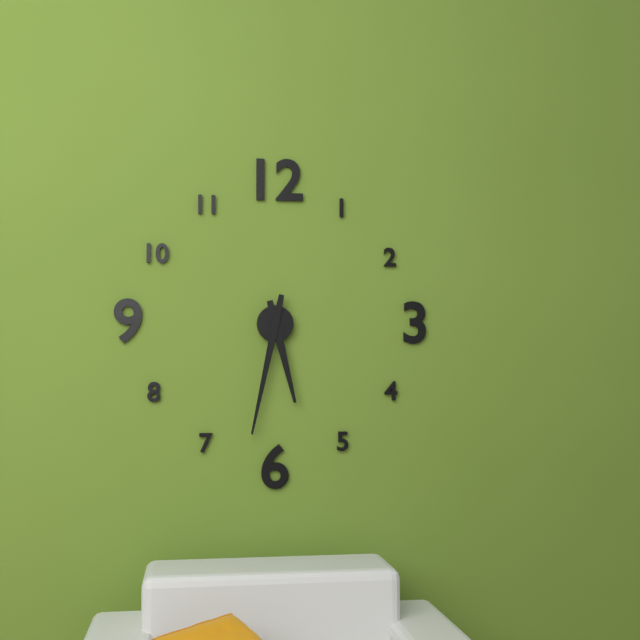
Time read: 5 h 32 min
